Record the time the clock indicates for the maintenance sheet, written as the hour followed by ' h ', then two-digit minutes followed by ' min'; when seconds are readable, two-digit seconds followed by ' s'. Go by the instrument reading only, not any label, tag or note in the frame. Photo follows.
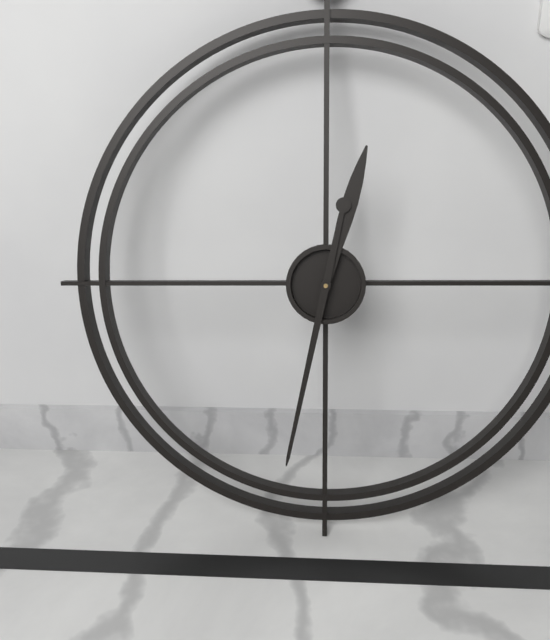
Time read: 12 h 32 min
